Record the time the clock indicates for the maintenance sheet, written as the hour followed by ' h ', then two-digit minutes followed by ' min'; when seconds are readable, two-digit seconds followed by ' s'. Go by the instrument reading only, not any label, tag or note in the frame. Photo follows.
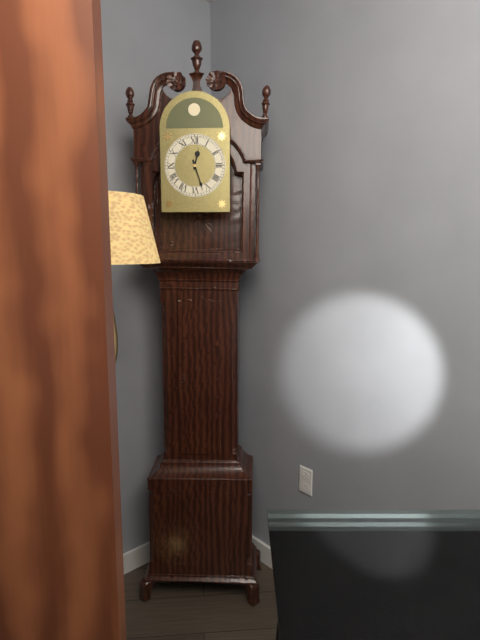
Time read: 12 h 27 min
